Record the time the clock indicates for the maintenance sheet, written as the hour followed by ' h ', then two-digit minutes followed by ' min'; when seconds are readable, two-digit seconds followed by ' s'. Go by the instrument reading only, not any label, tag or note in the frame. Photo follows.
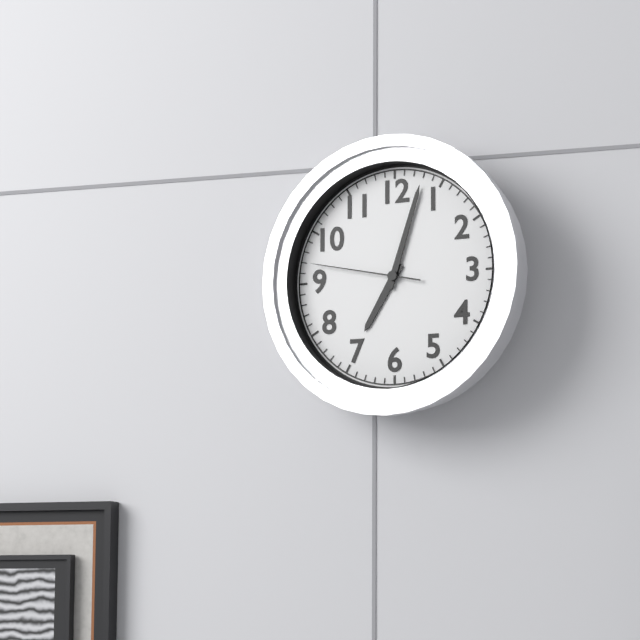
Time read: 7 h 03 min 47 s
